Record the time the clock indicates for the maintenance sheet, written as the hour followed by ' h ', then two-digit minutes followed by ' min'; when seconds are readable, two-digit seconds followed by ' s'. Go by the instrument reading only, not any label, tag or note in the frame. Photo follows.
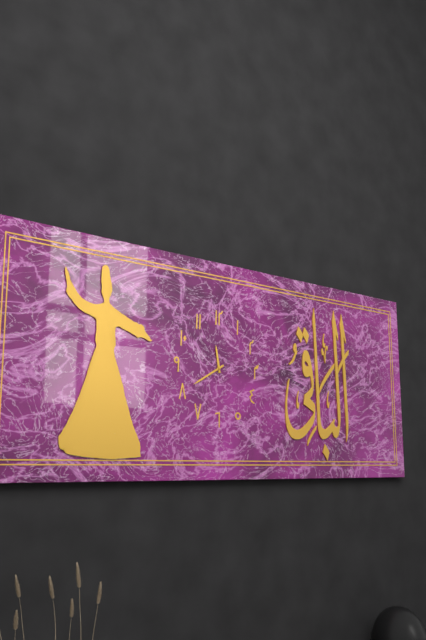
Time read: 11 h 40 min
